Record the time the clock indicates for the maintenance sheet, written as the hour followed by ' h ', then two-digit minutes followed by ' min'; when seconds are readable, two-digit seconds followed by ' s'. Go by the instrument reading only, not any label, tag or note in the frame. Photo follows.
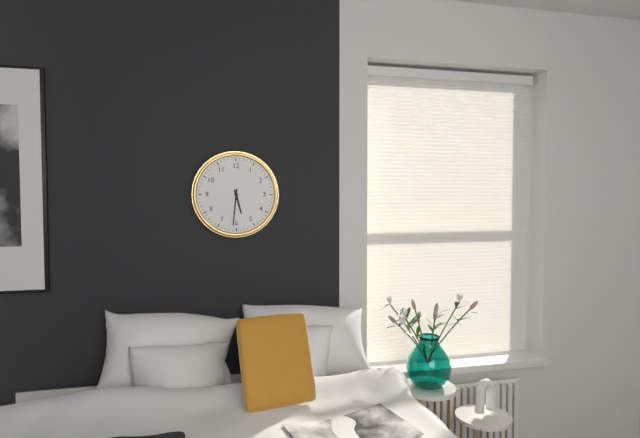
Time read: 5 h 31 min
